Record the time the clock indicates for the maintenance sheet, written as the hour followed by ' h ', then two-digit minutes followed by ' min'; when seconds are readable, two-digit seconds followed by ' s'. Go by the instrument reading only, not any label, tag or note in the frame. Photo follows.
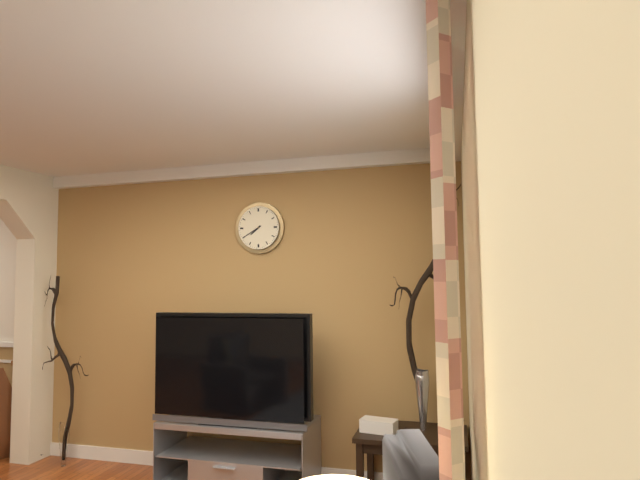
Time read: 7 h 40 min
